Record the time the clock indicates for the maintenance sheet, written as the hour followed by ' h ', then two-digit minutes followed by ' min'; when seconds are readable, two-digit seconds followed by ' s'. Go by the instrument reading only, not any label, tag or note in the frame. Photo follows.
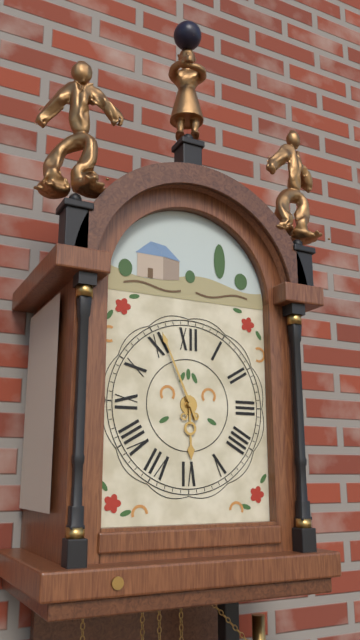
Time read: 5 h 56 min
